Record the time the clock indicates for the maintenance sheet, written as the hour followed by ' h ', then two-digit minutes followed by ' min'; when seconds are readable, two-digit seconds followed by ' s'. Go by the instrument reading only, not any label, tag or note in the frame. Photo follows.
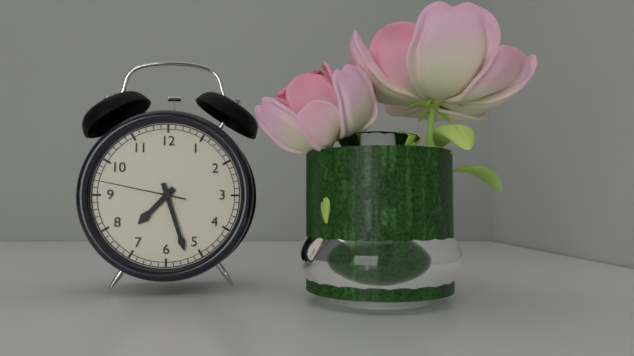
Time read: 7 h 27 min 47 s
